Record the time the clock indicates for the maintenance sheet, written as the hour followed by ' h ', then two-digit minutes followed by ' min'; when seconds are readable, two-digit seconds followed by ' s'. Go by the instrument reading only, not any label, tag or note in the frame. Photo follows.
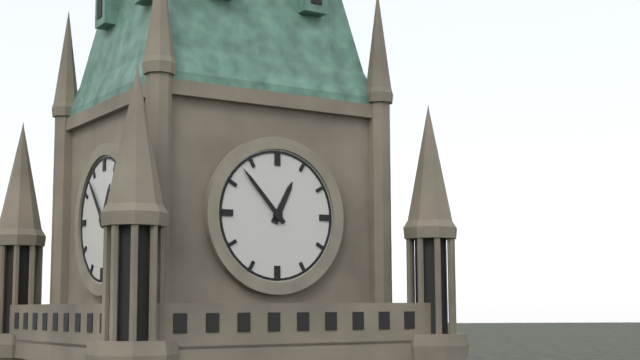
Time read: 12 h 53 min
